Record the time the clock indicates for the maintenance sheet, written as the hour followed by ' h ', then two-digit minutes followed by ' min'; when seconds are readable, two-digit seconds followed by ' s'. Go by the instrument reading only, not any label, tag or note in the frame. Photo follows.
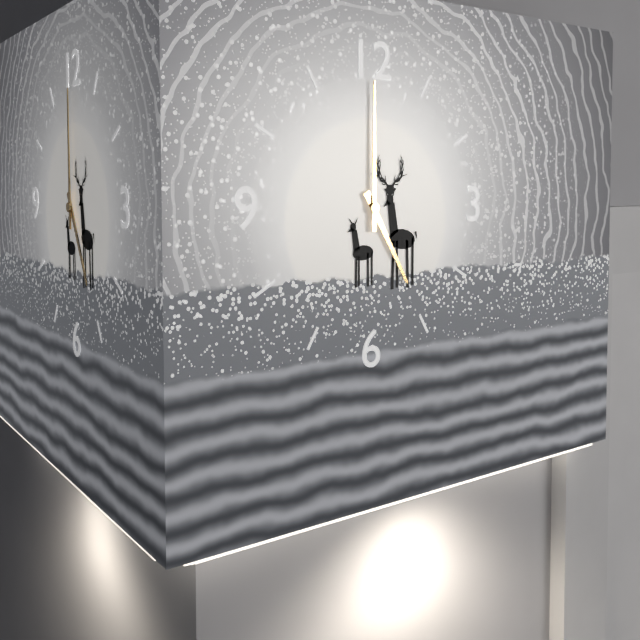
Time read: 5 h 00 min
